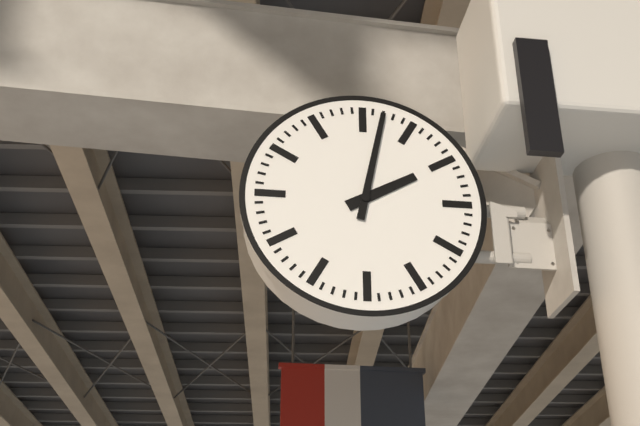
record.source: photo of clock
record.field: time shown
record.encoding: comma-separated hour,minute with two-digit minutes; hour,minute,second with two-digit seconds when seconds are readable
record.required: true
2,02
